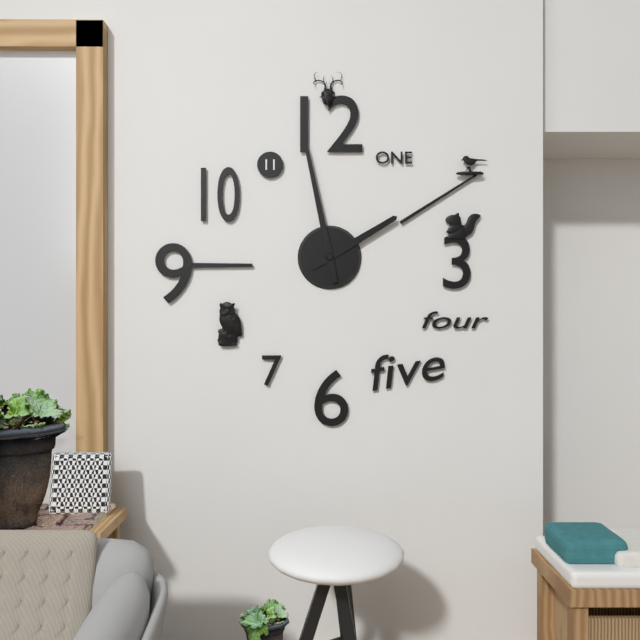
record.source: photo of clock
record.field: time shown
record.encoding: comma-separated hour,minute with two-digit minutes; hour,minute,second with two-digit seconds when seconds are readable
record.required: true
1,58
